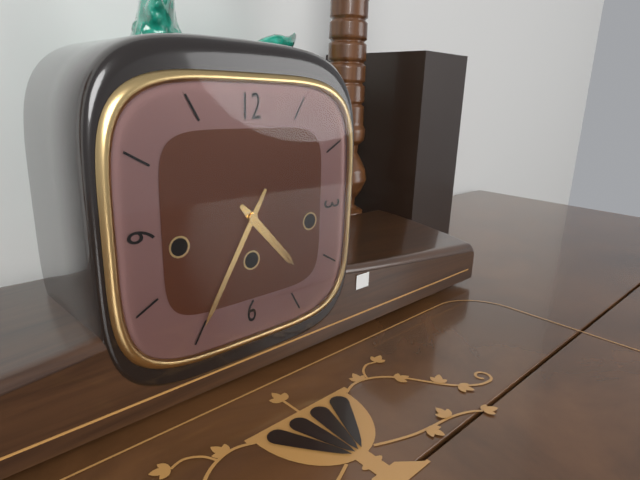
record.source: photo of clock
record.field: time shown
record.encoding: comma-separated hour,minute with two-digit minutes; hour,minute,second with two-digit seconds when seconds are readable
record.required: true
4,35
